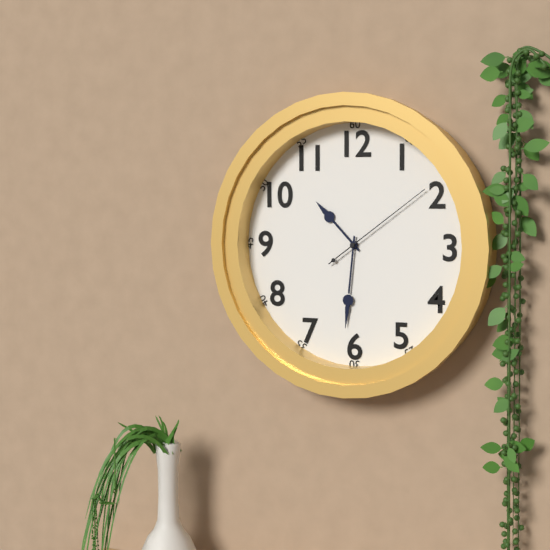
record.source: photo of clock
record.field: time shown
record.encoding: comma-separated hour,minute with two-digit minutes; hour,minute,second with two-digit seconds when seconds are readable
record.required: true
10,31,09
